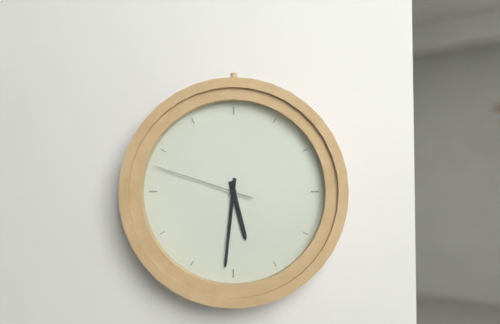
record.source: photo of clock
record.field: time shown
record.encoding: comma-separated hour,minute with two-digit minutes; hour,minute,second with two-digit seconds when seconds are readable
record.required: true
5,31,48
